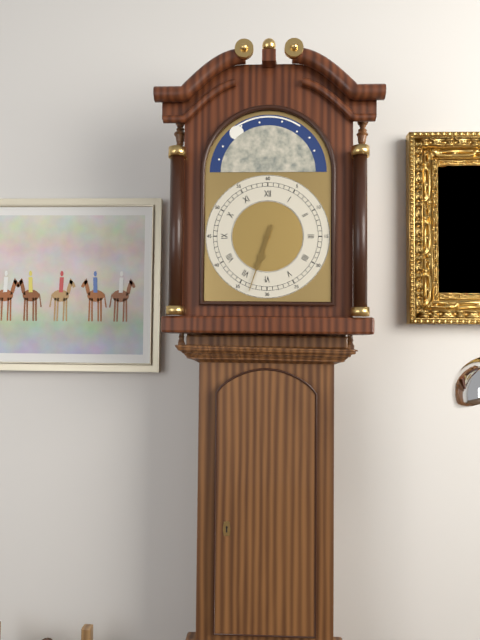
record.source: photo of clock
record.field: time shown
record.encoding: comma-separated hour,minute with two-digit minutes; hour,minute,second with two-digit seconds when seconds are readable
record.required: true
6,33
